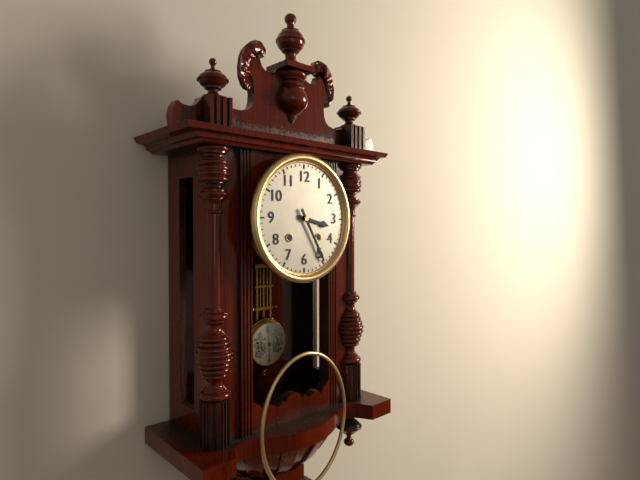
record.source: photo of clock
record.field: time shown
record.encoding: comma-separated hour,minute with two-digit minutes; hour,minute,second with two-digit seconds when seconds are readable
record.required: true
3,25
